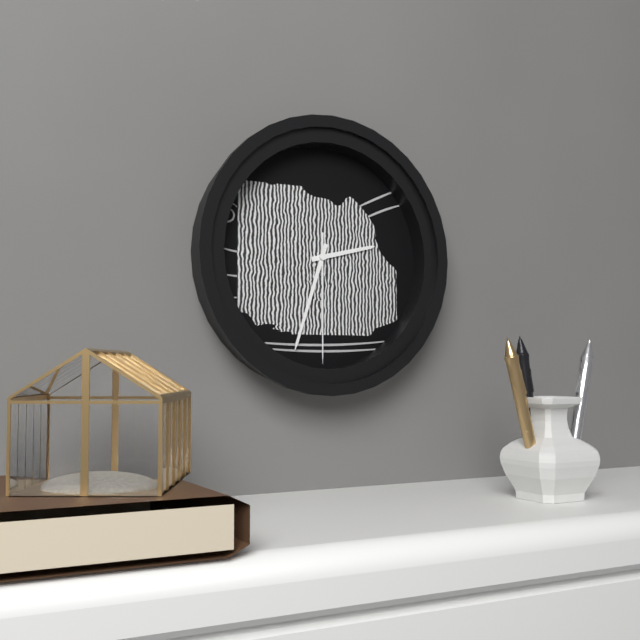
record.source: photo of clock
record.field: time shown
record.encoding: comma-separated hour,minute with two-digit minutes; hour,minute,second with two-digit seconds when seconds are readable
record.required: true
2,33,30
